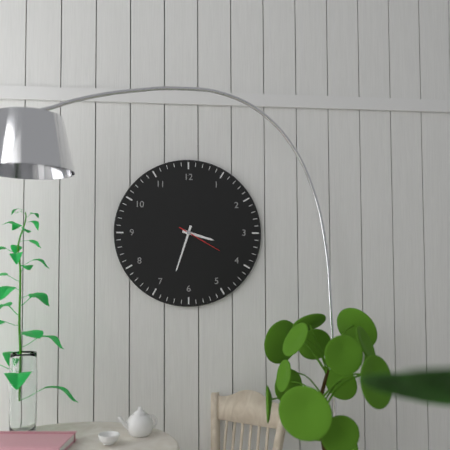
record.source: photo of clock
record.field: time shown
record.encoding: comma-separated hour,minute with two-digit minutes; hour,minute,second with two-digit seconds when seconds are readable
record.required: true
3,33
